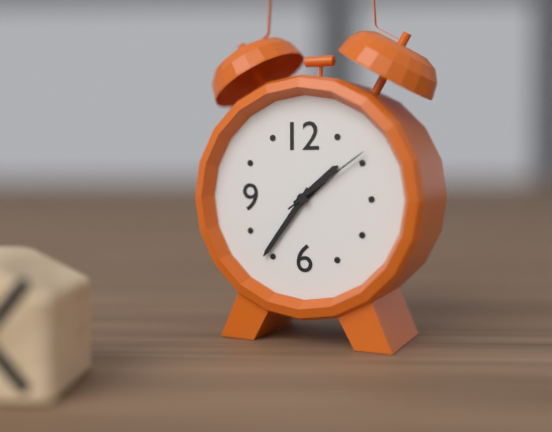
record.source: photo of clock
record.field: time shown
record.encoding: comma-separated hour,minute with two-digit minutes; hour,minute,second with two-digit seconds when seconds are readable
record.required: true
1,36,09
